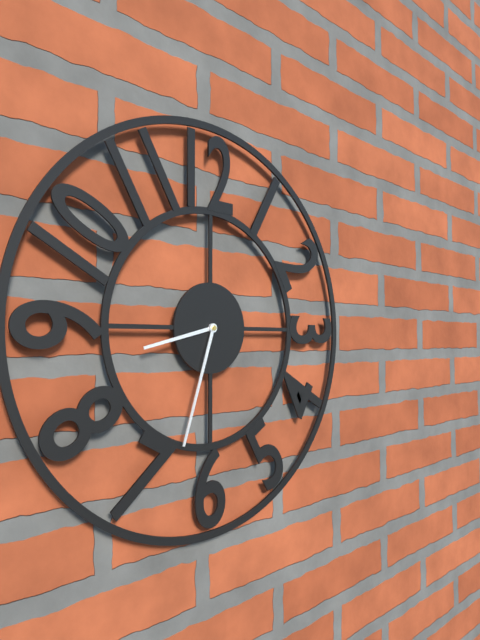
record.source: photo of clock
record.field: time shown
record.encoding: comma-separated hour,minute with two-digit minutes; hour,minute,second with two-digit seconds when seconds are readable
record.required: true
8,33
